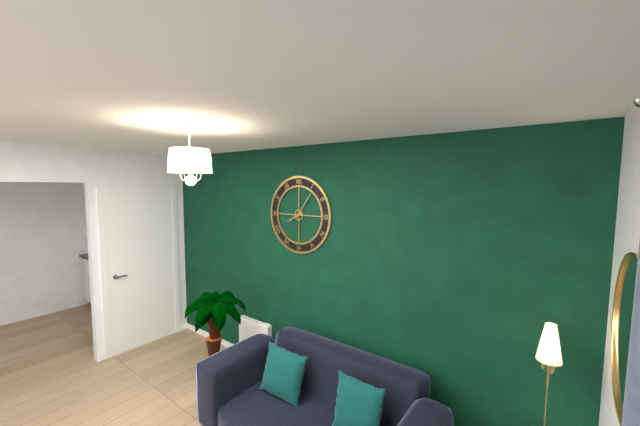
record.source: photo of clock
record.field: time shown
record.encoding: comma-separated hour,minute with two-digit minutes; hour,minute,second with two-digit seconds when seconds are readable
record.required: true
8,06
